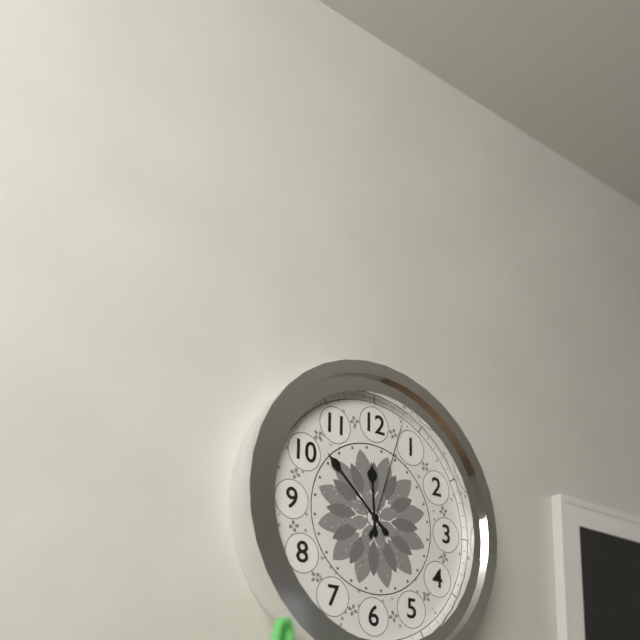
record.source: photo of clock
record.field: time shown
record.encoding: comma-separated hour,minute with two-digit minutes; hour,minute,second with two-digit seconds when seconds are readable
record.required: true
11,52,03
